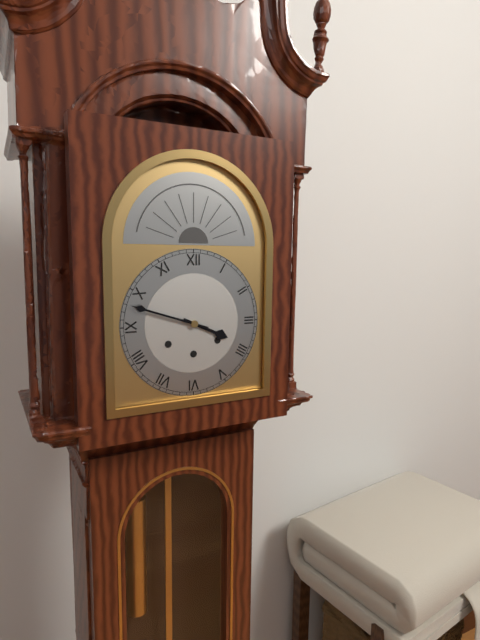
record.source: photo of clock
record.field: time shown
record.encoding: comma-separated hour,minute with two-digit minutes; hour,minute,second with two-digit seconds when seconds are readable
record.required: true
3,48
